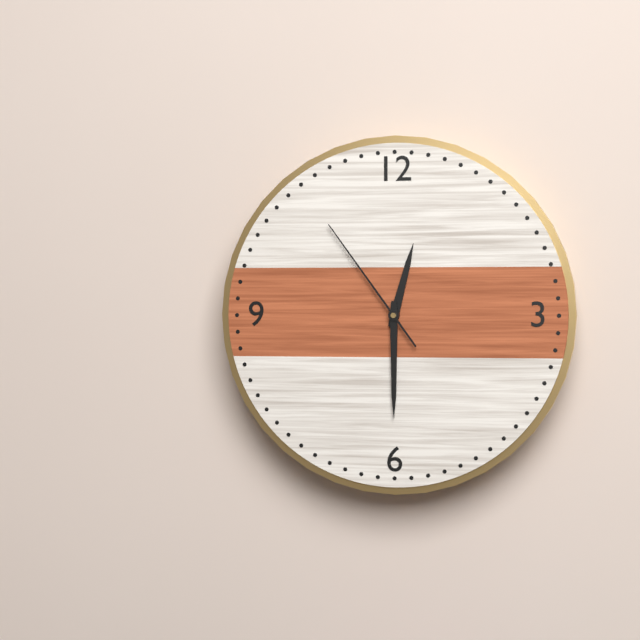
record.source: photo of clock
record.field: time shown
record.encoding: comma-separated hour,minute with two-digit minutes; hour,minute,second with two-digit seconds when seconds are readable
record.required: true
12,30,54
